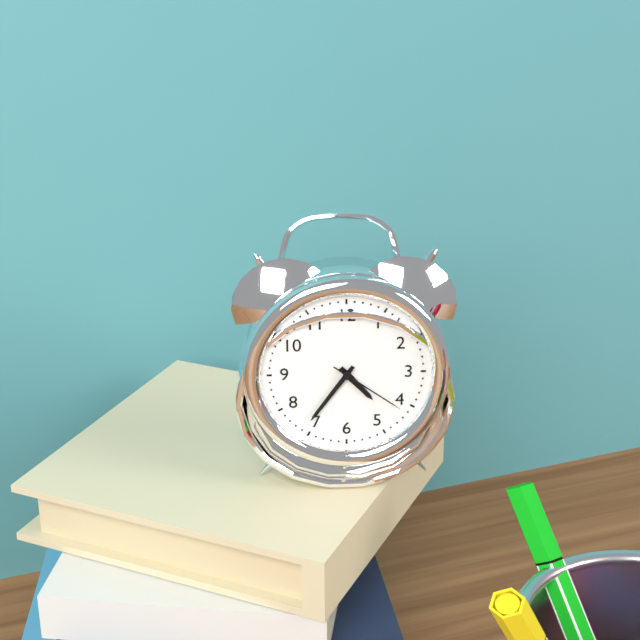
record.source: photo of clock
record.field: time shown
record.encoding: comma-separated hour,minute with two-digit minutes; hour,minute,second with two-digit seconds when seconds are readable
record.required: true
4,36,21
